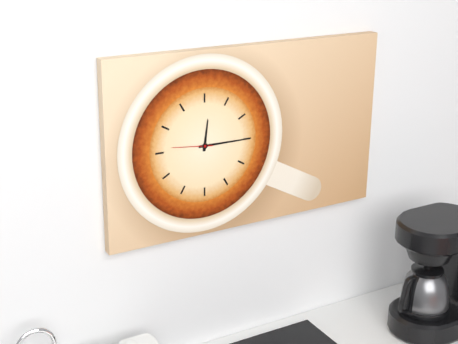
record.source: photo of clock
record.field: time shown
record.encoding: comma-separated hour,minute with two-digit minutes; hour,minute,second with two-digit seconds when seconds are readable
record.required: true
12,15
